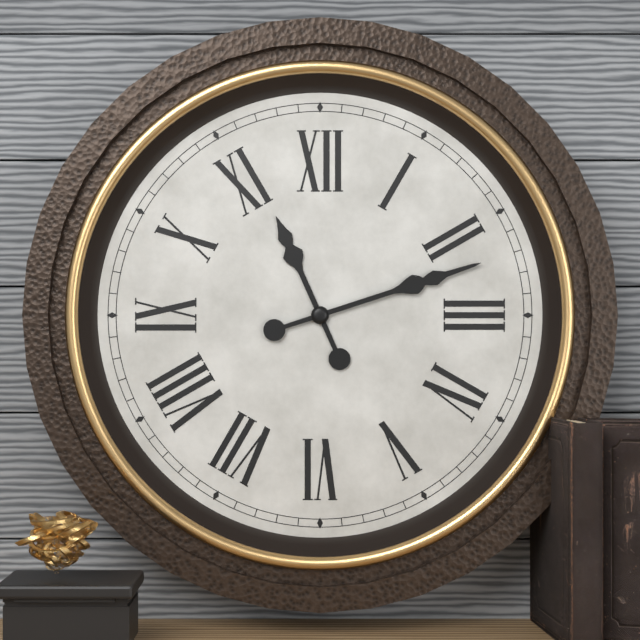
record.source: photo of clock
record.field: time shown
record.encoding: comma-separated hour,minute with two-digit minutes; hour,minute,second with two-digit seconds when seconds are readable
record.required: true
11,12
